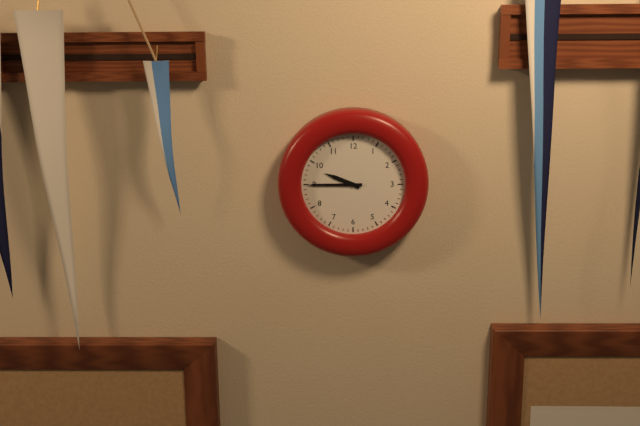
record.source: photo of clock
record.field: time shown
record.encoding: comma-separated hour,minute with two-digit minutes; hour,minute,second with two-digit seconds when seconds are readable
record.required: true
9,45
